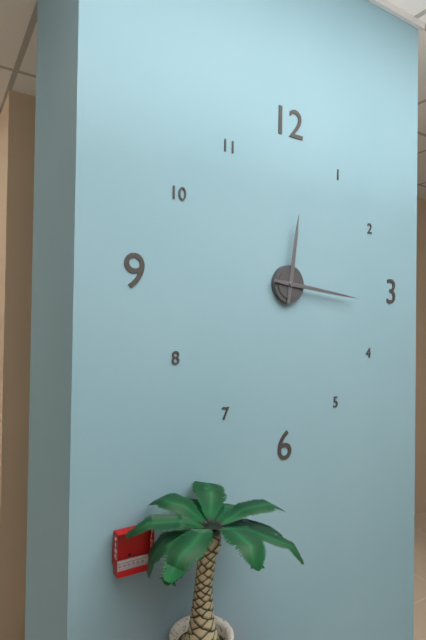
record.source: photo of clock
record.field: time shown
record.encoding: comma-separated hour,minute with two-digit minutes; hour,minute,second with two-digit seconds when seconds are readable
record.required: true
12,16
